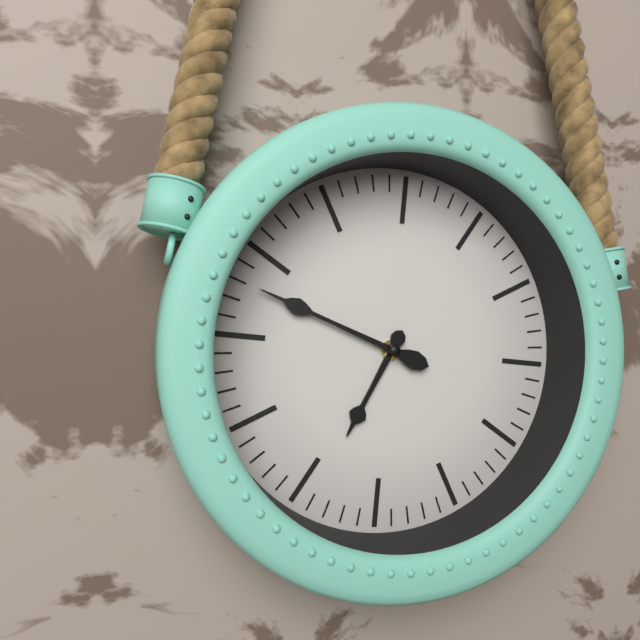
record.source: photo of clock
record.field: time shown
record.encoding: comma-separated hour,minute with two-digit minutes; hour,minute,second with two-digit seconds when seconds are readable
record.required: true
6,48
